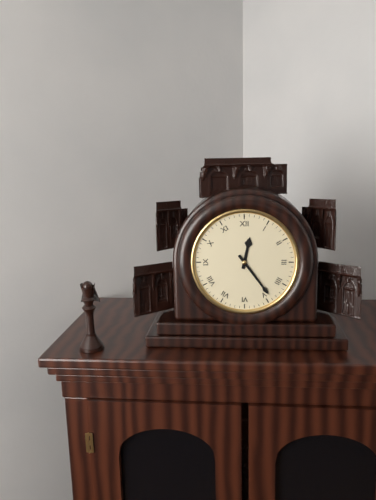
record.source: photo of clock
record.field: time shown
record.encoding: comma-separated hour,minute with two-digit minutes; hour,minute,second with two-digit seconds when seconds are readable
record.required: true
12,24
